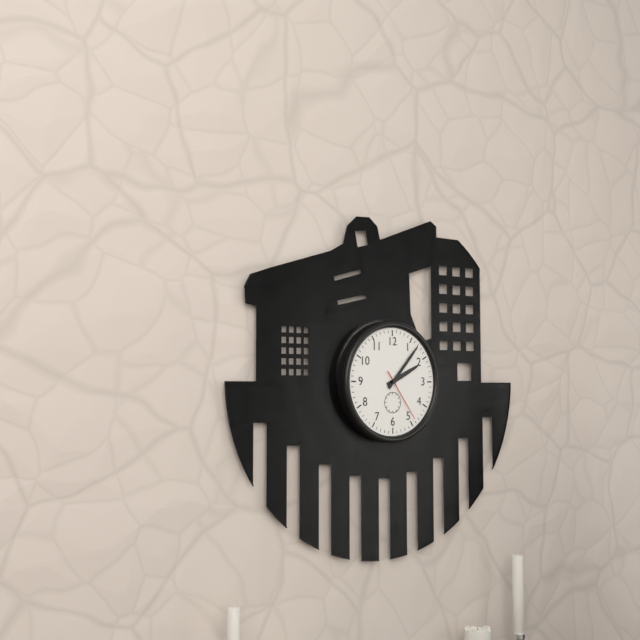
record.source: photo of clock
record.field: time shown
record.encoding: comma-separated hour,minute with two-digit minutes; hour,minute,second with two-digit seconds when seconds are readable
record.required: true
2,07,24
